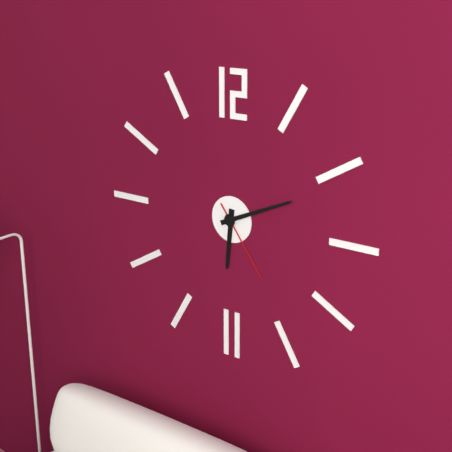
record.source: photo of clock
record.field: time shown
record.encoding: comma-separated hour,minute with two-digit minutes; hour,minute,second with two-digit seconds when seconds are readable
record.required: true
6,11,24
